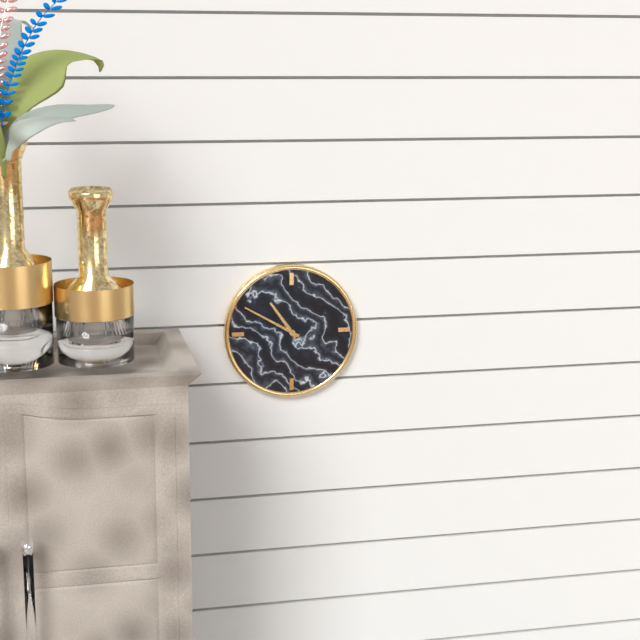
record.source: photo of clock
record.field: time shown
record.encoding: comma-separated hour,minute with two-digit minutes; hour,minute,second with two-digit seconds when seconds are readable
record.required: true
10,50
